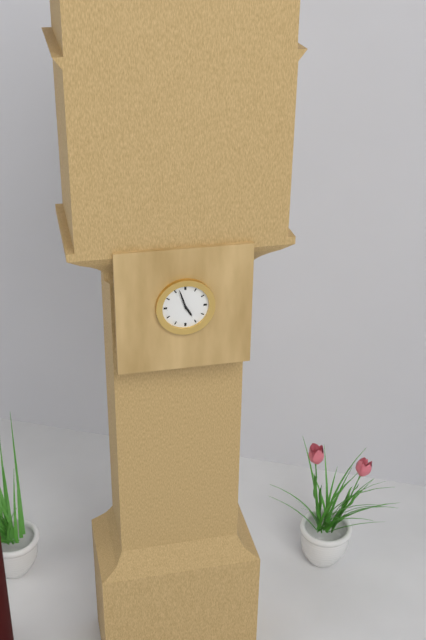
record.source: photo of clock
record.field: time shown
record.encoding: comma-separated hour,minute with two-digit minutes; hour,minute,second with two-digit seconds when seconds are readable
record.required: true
4,57
